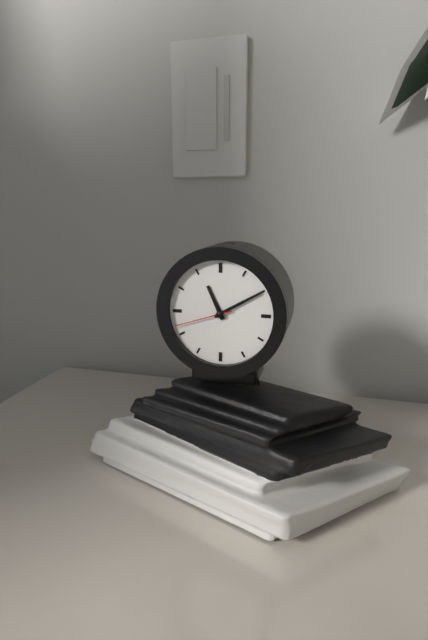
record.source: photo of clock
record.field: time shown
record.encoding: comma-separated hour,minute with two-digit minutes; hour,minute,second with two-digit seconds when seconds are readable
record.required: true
11,10,42
